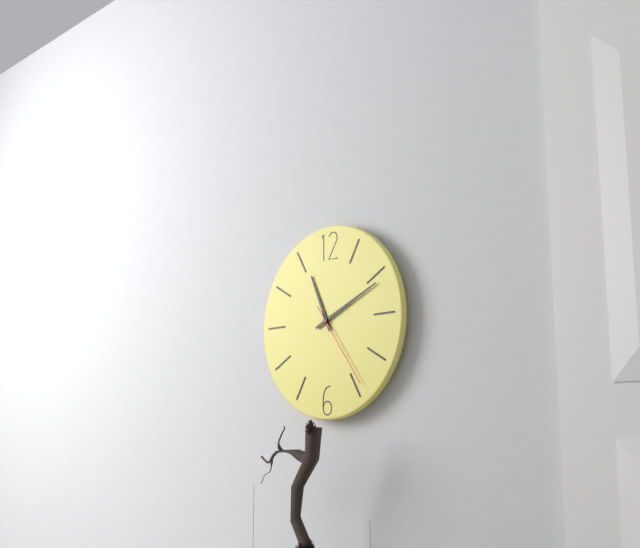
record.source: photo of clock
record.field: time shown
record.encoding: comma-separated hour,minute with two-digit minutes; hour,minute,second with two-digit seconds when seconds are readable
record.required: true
11,11,24
